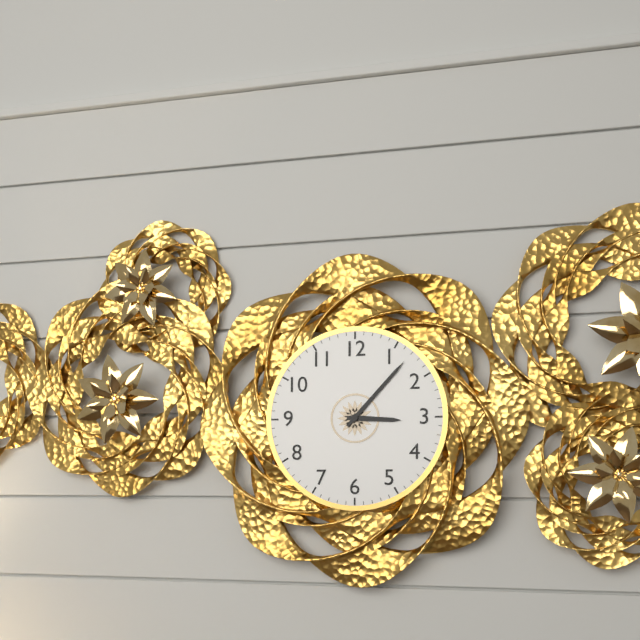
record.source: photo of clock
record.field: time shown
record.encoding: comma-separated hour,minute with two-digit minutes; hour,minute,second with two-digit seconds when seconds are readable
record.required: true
3,07
